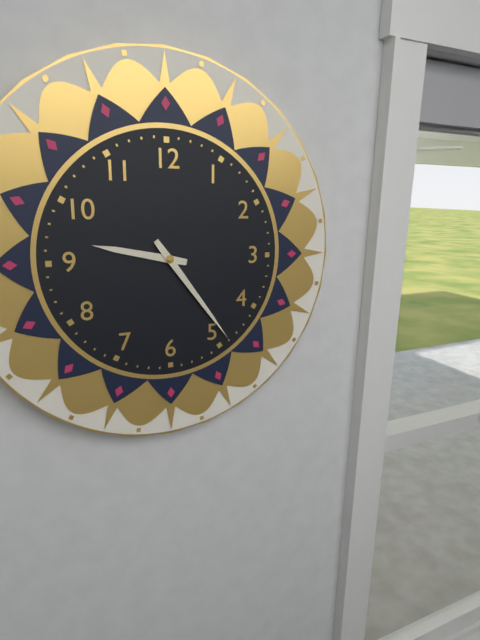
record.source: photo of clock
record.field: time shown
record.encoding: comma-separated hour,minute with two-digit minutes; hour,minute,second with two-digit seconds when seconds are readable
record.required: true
9,24
